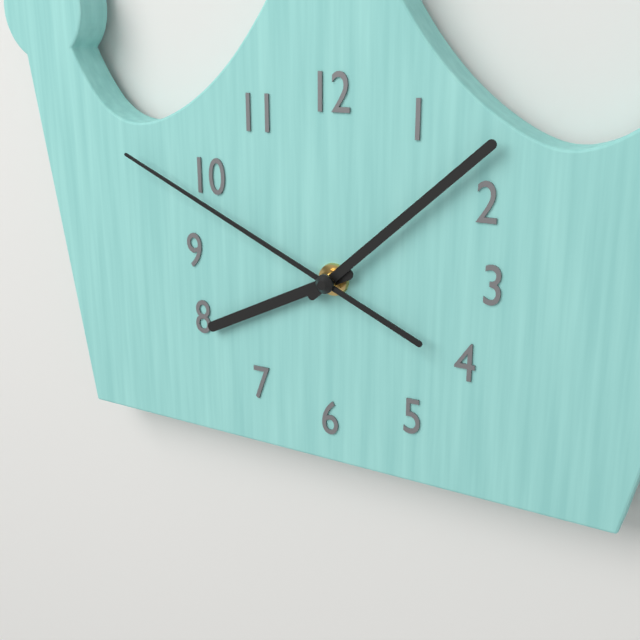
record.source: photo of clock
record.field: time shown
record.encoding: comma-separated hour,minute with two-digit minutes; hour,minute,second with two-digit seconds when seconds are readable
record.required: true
8,08,49
